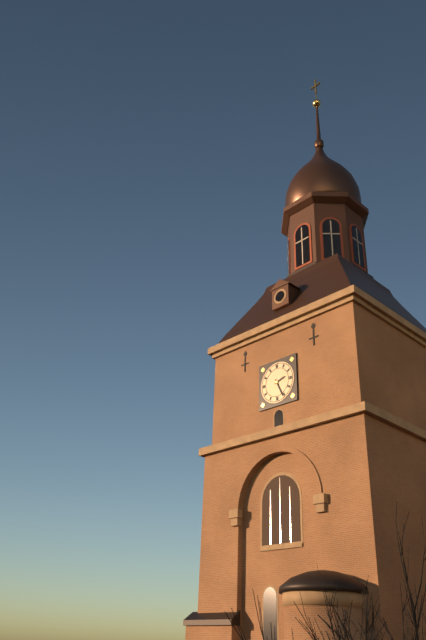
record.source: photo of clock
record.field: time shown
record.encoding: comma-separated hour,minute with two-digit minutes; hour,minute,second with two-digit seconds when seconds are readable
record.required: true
2,26
